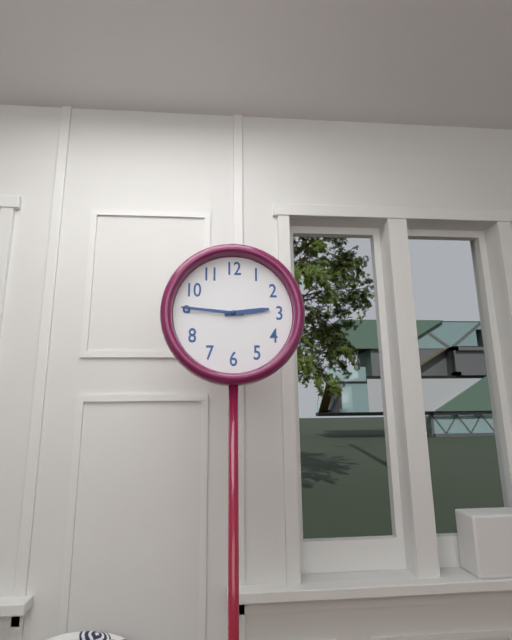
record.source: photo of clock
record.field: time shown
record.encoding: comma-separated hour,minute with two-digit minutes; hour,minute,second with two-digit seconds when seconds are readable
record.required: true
2,46
